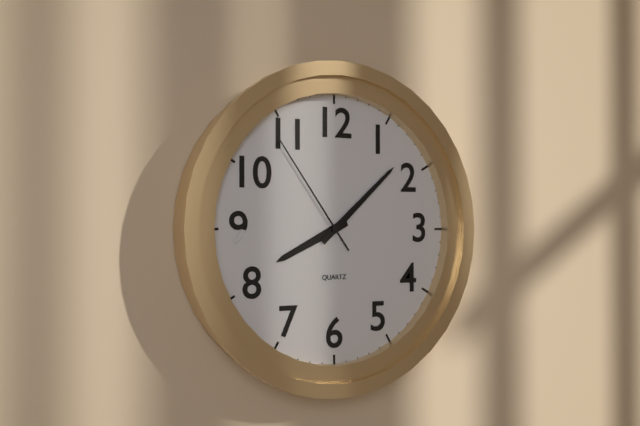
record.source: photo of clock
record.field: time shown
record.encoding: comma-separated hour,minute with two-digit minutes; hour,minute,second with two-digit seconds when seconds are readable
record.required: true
8,08,54
